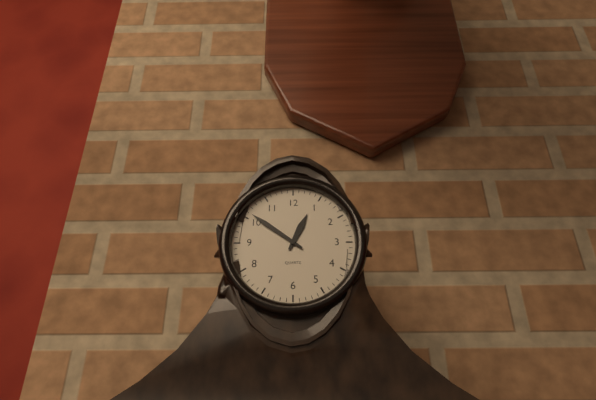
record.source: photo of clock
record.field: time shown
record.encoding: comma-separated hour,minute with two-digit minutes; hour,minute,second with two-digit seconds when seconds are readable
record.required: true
12,51
